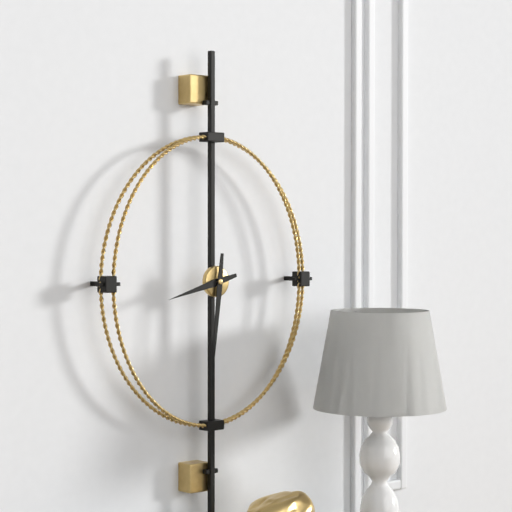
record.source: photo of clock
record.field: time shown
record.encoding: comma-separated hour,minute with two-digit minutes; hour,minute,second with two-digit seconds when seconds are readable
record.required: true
8,31
